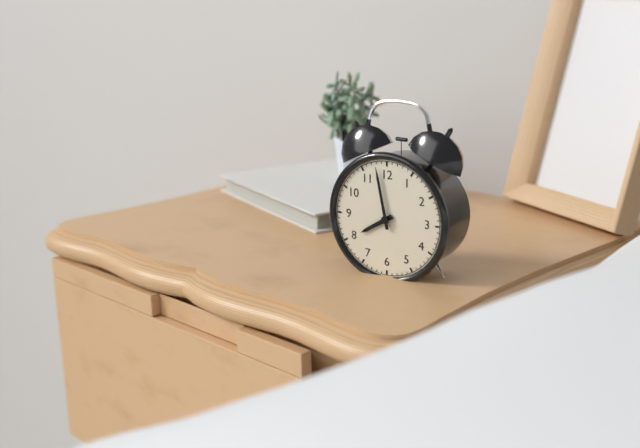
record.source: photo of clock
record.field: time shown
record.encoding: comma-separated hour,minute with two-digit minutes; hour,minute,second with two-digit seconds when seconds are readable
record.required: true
7,58
